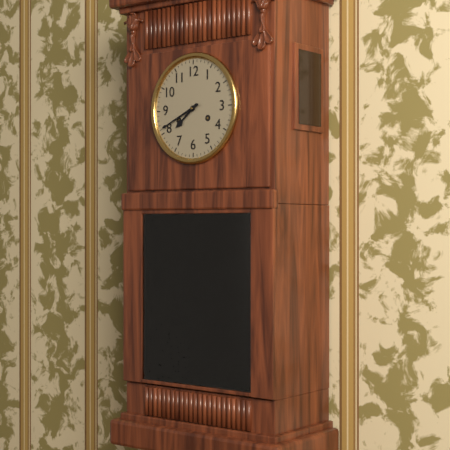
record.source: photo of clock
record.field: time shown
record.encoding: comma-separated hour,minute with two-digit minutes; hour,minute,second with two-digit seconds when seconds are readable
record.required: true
7,41
